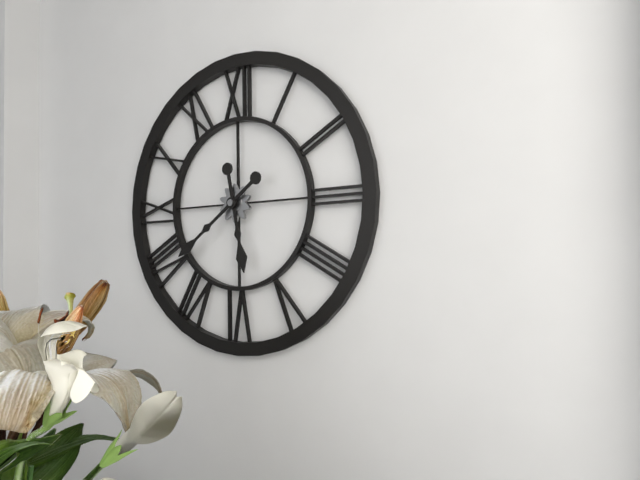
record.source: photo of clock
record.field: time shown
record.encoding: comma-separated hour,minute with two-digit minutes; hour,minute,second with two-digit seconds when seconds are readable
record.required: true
5,39
